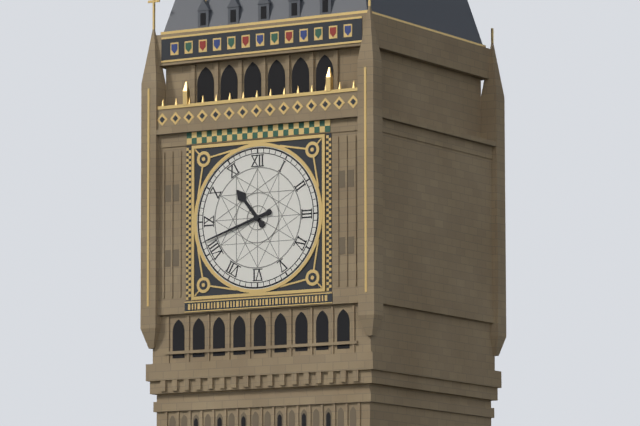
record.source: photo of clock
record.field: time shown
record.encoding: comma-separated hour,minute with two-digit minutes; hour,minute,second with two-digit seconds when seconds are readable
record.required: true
10,42
